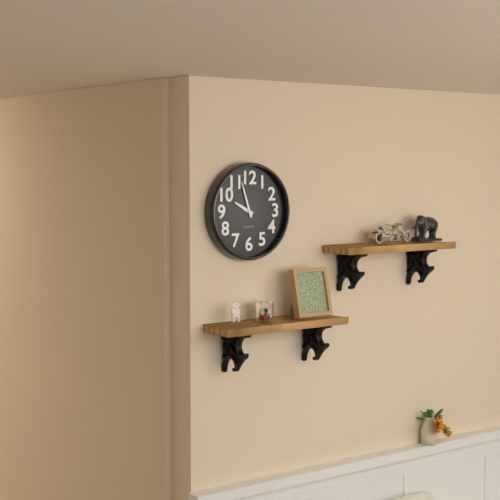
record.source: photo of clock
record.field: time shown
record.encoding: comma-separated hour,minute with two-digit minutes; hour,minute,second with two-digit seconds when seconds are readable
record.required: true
9,57
